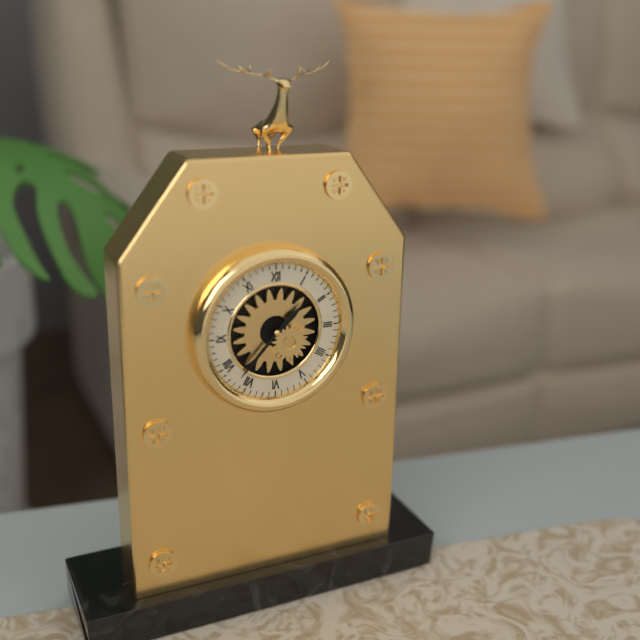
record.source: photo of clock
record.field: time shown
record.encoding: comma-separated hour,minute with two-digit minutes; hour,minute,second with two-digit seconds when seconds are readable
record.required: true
1,37
